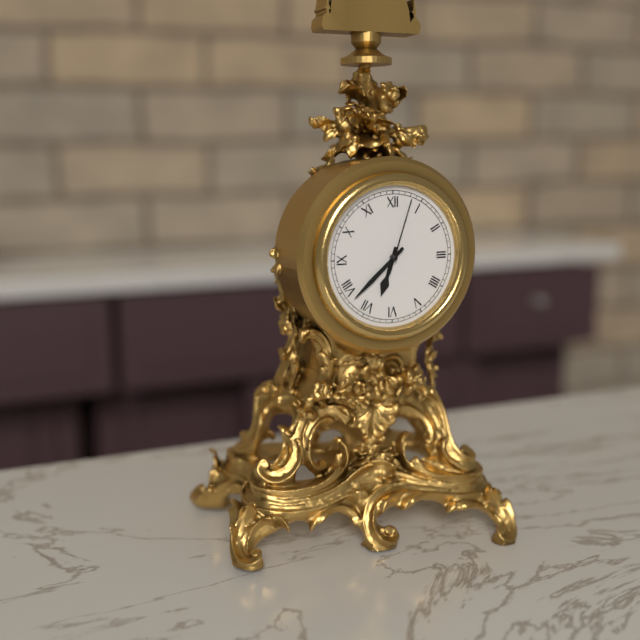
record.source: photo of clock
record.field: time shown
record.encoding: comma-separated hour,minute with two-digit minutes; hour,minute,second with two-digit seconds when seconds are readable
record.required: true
6,38,03
